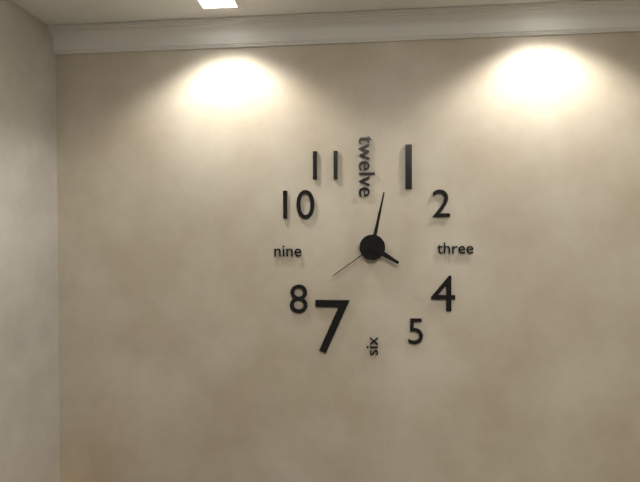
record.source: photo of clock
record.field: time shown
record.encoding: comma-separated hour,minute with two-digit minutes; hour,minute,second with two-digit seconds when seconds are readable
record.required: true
4,02,39
